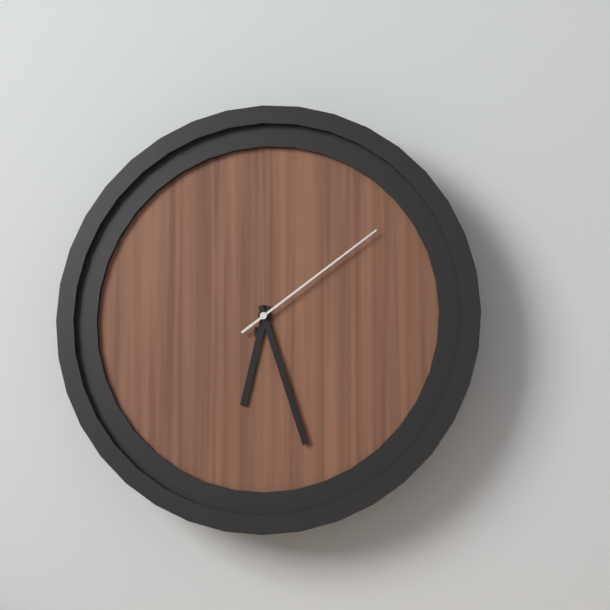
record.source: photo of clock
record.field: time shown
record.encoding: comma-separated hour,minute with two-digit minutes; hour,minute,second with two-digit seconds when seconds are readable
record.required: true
6,27,09
